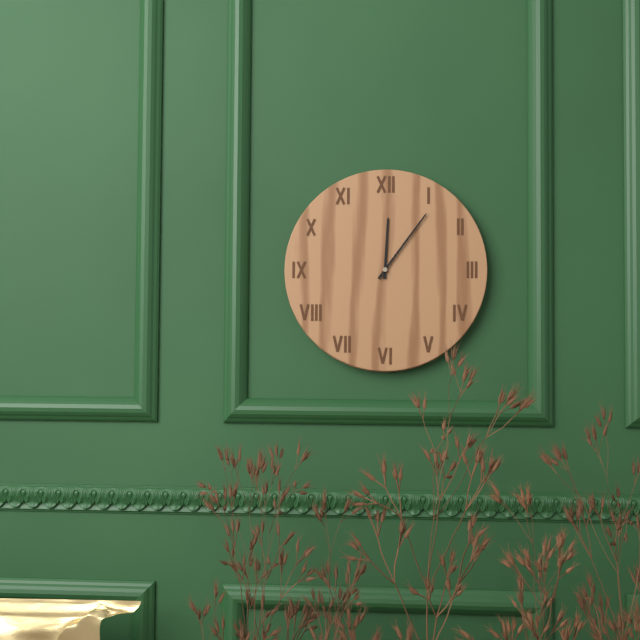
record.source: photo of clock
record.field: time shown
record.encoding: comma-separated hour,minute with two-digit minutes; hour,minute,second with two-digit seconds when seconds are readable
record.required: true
12,06
